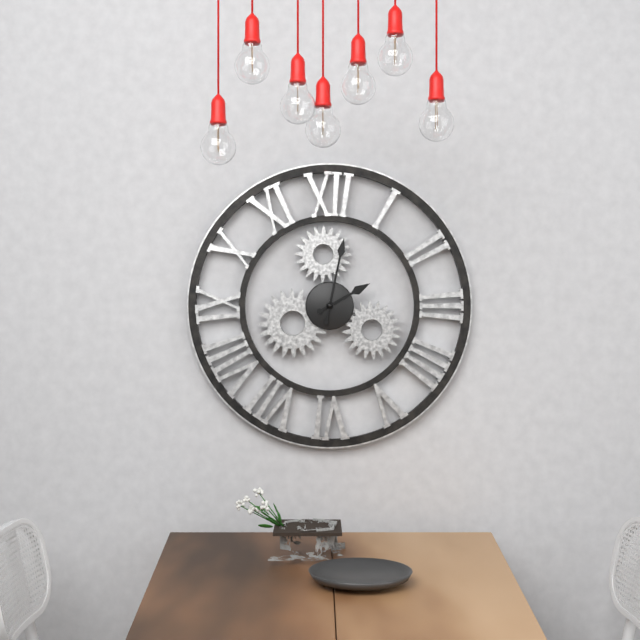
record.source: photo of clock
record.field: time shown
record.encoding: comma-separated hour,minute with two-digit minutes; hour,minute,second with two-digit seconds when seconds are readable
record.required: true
2,02
